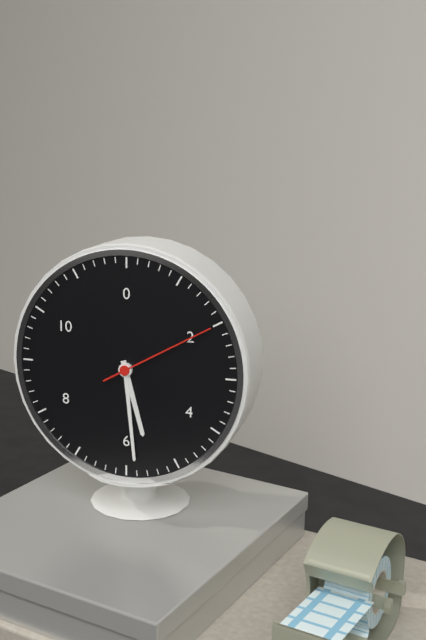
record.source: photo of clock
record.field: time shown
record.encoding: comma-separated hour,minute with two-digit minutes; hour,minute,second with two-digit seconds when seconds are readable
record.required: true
5,29,10
